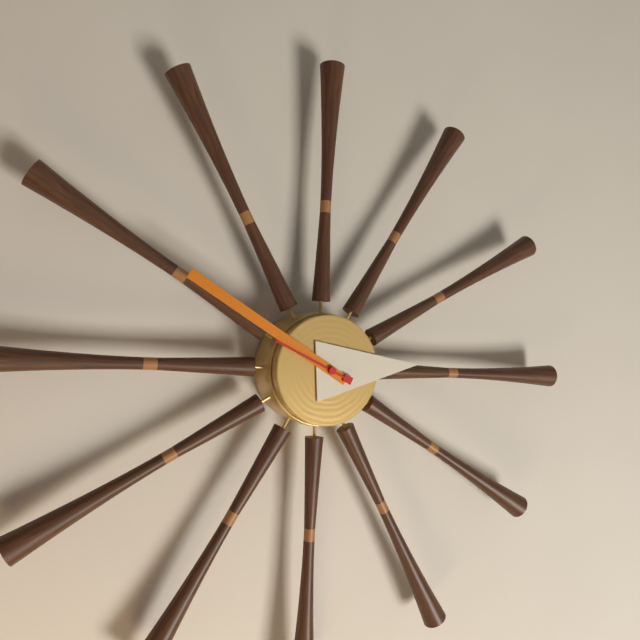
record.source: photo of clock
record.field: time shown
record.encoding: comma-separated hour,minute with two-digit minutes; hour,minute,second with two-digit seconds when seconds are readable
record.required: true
2,50
